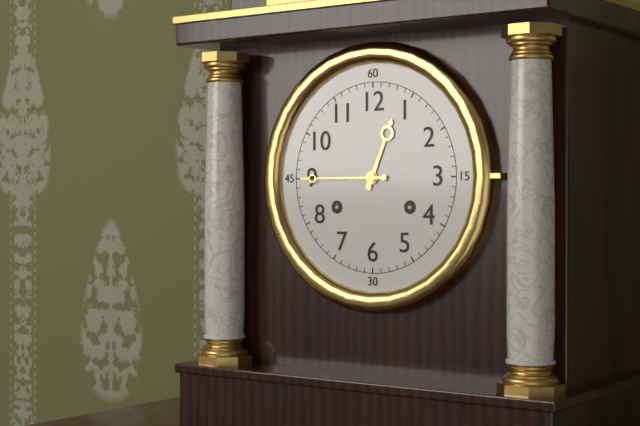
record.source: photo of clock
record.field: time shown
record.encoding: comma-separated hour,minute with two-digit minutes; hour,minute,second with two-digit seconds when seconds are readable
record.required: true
12,45
